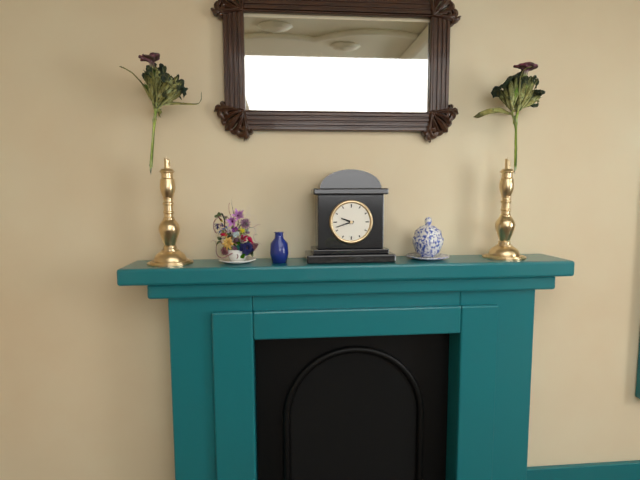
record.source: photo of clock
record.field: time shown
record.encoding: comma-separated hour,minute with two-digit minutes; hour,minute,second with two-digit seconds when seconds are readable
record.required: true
9,42
